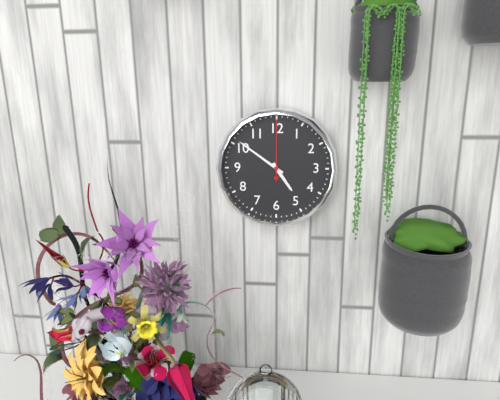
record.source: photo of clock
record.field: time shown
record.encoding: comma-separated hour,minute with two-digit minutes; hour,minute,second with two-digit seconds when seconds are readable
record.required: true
4,51,00
